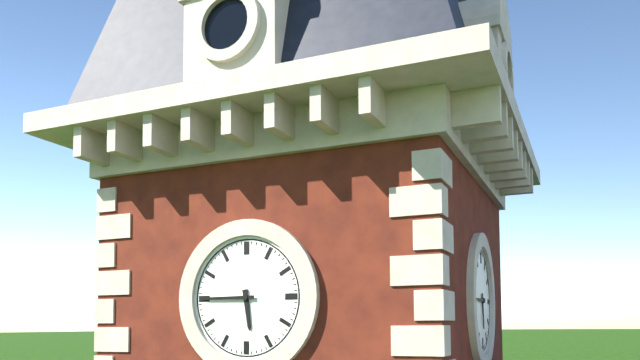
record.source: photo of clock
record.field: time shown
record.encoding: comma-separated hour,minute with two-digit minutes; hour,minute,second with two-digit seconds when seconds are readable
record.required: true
5,45
